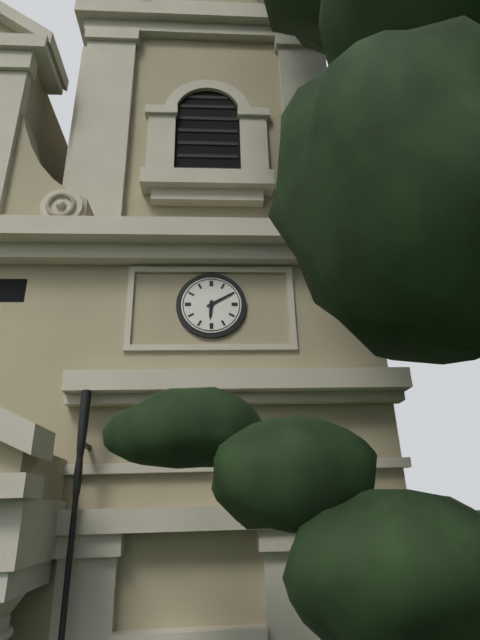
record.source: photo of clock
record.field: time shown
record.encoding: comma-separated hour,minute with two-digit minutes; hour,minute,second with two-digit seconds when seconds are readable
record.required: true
6,10
